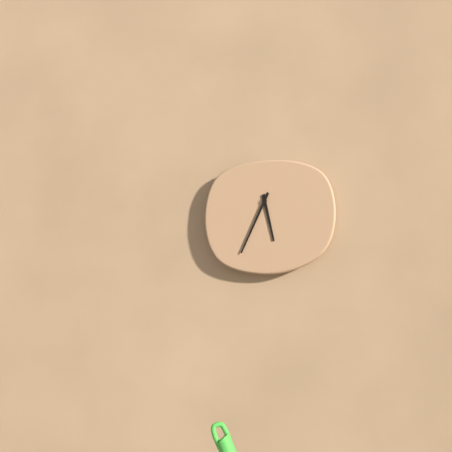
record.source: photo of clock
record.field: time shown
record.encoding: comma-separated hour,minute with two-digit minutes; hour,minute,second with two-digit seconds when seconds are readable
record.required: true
5,34
